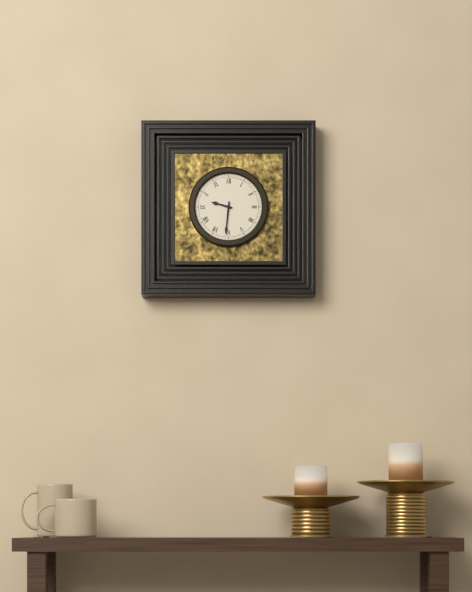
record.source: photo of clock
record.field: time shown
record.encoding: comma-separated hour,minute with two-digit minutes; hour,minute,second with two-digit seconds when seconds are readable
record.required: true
9,31
